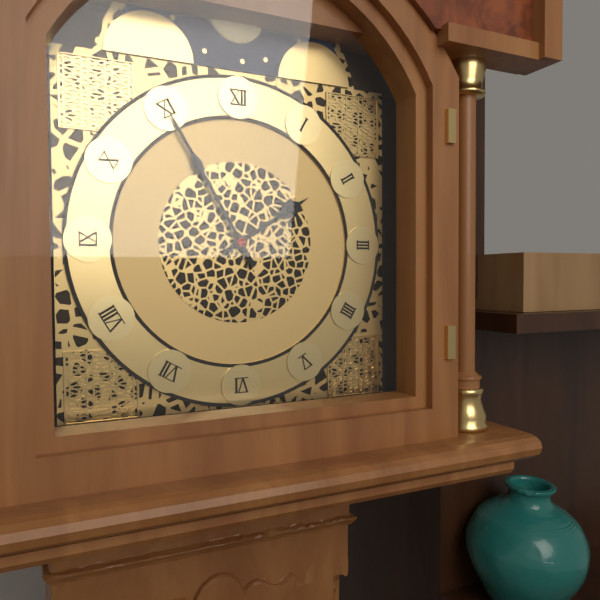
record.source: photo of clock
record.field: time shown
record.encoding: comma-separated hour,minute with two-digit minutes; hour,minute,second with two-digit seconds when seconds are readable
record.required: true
1,55
